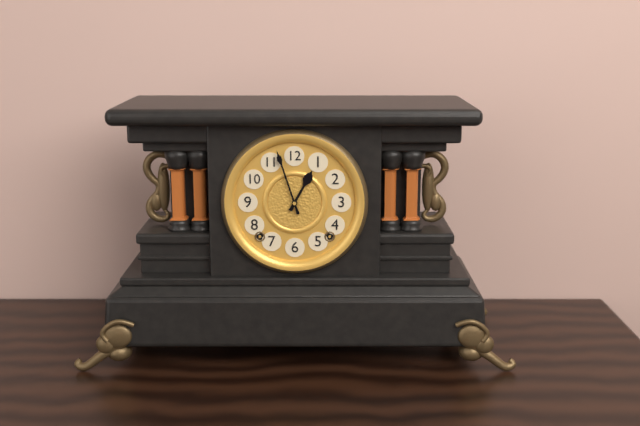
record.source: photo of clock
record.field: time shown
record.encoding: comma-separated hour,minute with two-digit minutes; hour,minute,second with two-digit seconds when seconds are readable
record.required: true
12,57
